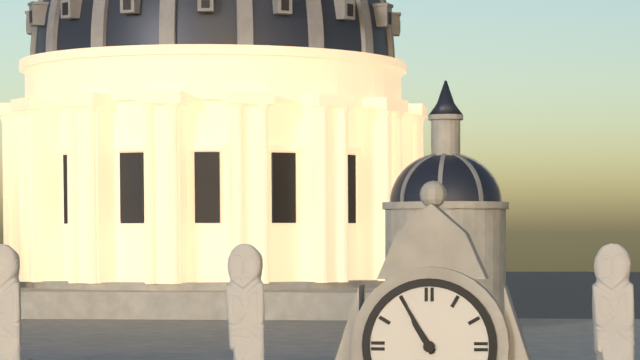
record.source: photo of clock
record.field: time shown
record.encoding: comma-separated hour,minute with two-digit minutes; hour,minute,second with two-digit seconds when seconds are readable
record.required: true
10,55
